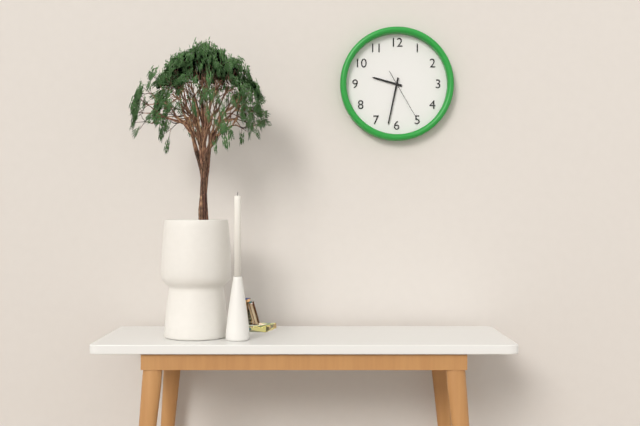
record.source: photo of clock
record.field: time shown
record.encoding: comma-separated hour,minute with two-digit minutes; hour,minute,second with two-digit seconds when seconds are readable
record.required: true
9,32,25
